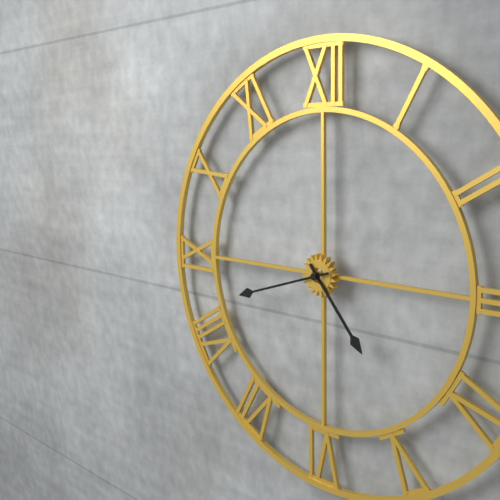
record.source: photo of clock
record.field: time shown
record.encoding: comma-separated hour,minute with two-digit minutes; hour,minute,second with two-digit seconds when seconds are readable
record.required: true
4,42
